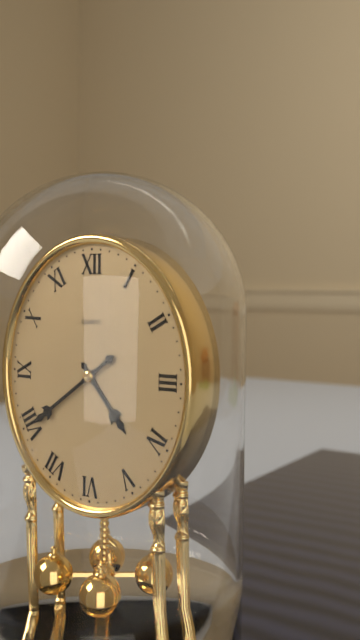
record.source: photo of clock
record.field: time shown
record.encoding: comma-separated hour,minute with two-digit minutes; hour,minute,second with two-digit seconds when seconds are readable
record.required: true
4,39
